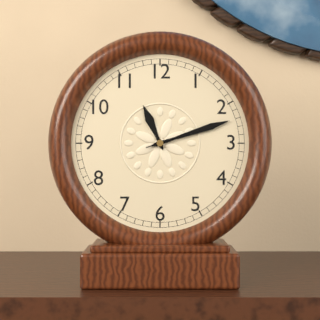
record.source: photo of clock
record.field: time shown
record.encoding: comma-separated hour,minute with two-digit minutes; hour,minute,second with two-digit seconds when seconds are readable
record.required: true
11,12,12
